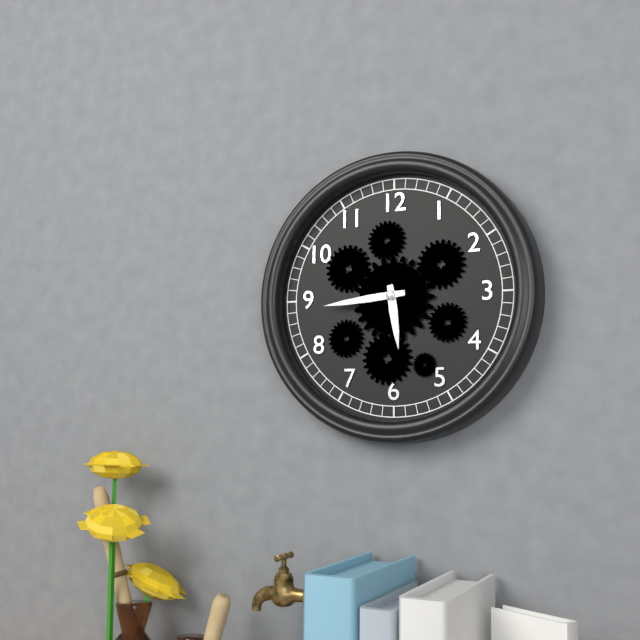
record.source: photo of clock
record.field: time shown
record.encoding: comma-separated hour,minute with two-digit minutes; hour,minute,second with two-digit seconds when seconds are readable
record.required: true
5,44
